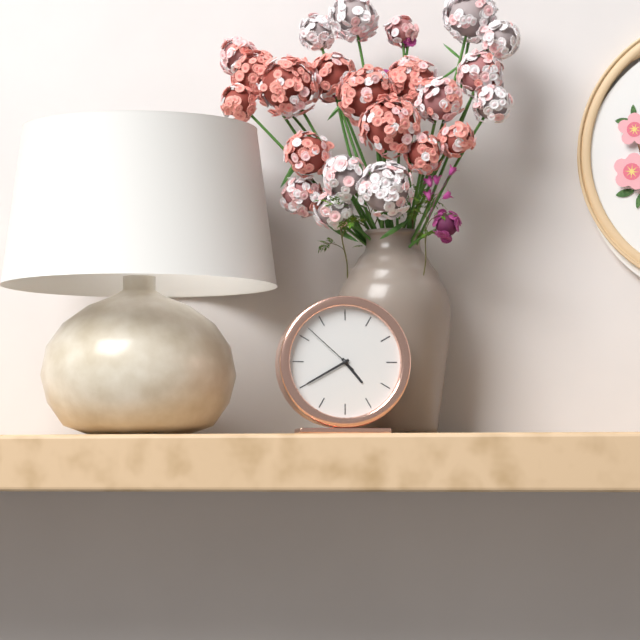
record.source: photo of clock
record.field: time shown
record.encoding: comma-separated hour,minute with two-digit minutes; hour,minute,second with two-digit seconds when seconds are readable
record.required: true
4,40,52
